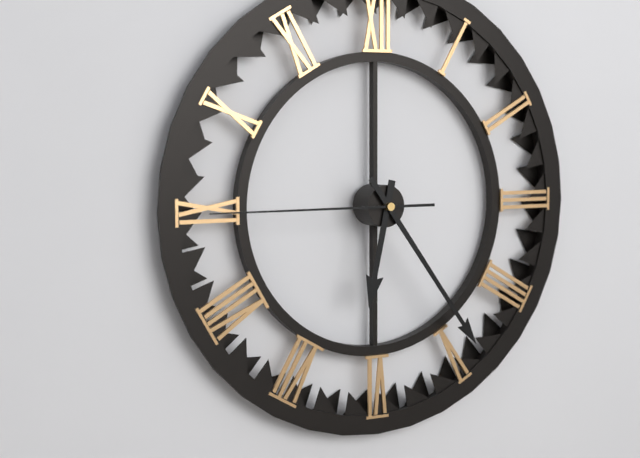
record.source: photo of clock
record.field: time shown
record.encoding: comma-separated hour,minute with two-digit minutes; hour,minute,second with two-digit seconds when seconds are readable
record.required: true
6,24,45
